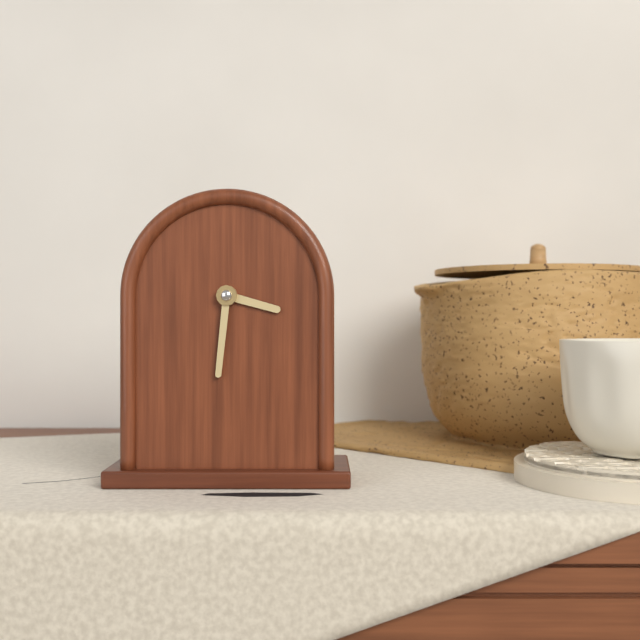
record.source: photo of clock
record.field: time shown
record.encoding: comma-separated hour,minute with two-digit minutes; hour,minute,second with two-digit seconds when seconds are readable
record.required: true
3,31
